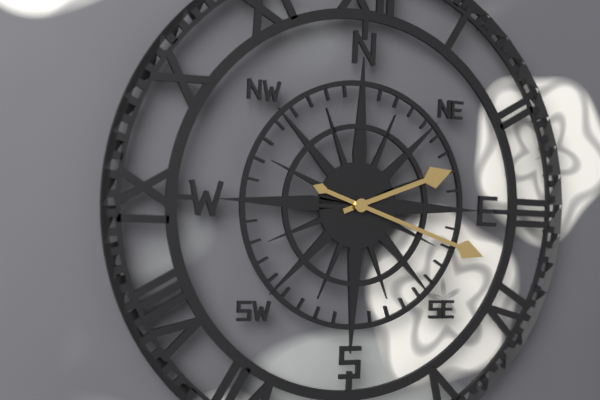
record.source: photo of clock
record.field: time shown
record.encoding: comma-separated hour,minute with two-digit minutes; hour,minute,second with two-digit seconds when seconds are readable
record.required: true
2,18
